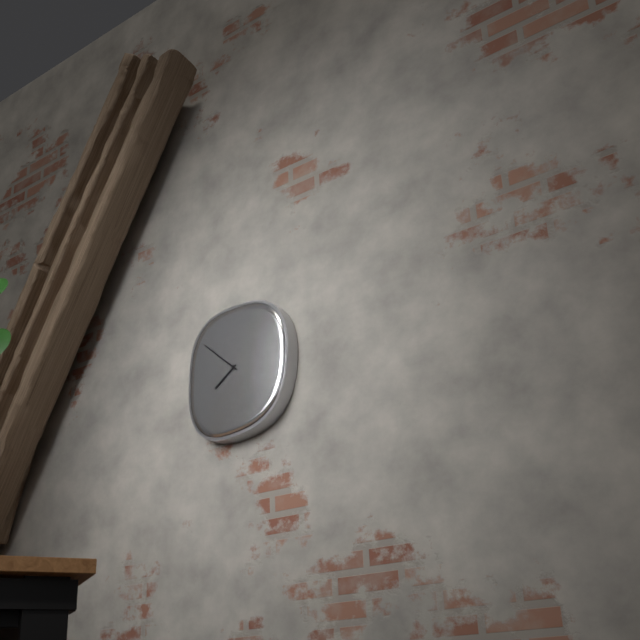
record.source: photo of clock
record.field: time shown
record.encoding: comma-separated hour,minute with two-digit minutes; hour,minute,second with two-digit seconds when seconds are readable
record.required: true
7,52
